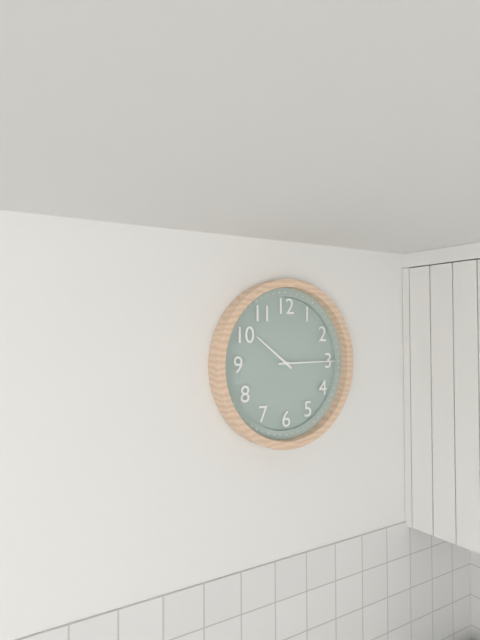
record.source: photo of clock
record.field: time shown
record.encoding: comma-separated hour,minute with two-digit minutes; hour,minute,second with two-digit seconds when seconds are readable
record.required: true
10,15
